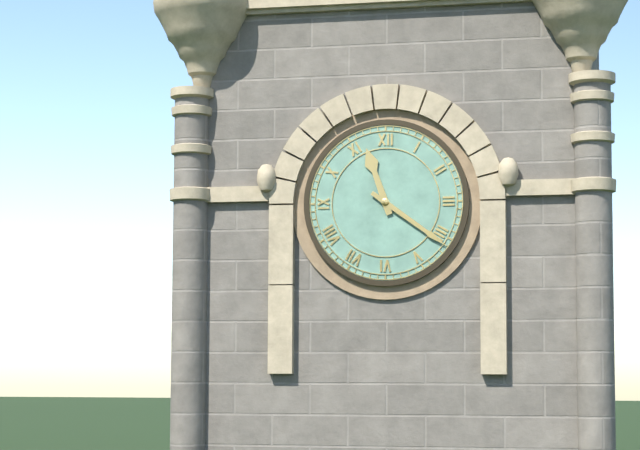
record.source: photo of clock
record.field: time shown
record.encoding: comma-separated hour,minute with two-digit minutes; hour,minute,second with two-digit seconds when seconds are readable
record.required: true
11,21
